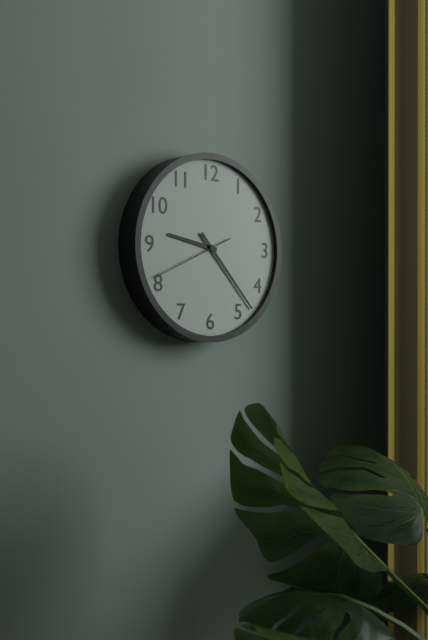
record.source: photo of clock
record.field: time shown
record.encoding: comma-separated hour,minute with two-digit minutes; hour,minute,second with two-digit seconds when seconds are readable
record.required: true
9,23,41
